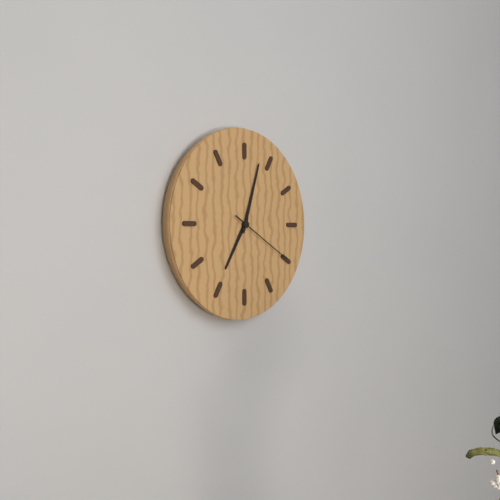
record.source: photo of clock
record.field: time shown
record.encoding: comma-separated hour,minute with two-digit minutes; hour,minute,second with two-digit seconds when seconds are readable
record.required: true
7,03,20
